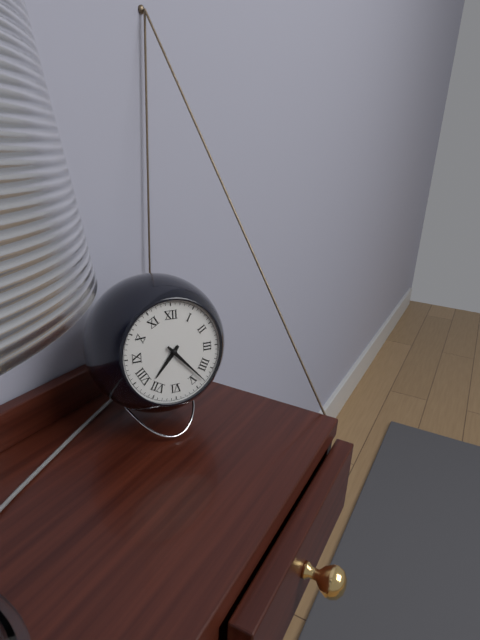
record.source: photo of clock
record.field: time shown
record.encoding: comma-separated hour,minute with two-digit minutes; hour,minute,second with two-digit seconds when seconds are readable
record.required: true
7,23
